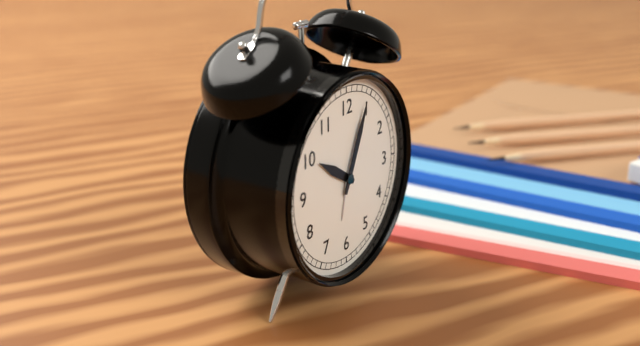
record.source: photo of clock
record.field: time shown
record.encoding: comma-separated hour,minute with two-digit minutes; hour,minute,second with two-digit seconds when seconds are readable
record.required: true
10,04
